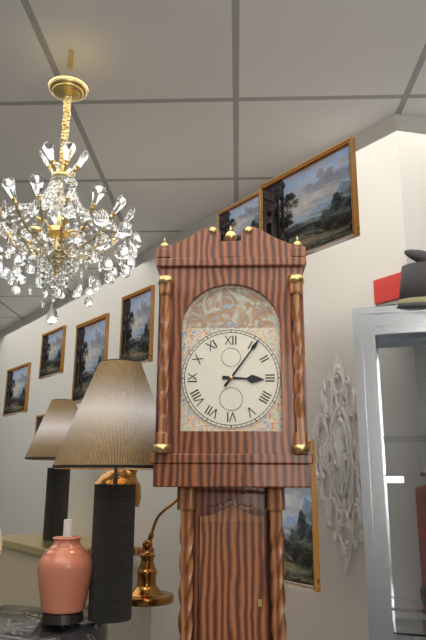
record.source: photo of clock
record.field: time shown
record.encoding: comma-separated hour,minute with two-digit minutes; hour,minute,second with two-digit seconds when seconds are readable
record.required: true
3,06
